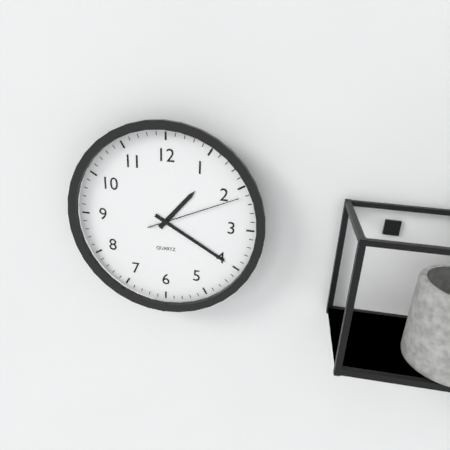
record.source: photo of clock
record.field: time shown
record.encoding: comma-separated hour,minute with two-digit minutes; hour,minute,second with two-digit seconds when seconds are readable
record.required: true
1,20,11
